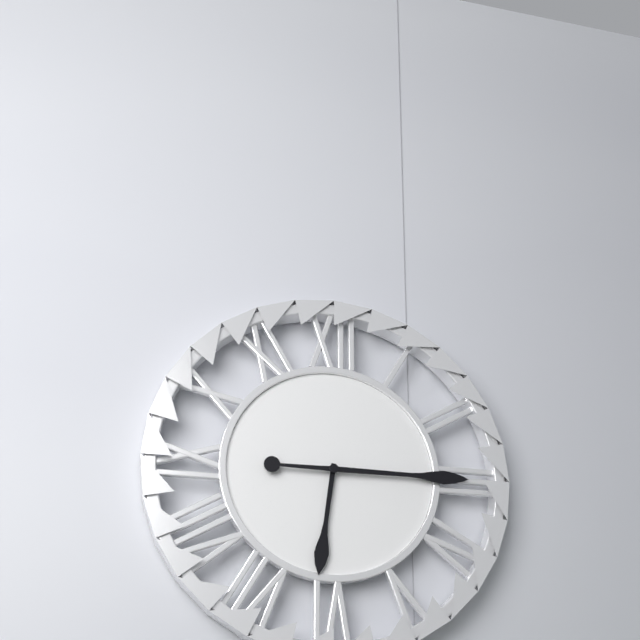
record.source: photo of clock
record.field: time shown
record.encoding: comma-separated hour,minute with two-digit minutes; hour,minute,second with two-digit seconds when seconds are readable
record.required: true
6,15
